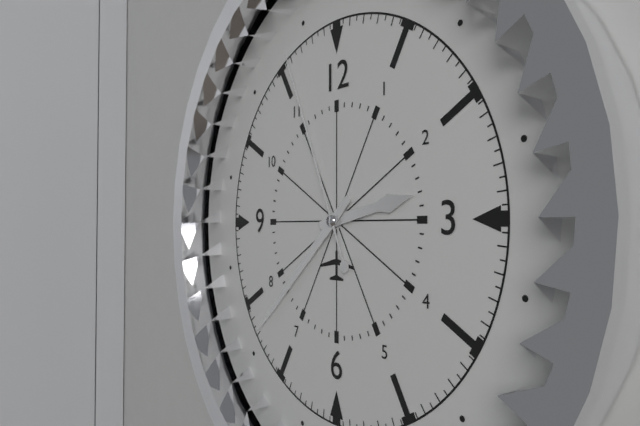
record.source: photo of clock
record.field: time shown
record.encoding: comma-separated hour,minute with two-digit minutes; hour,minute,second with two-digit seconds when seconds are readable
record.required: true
2,38,56
